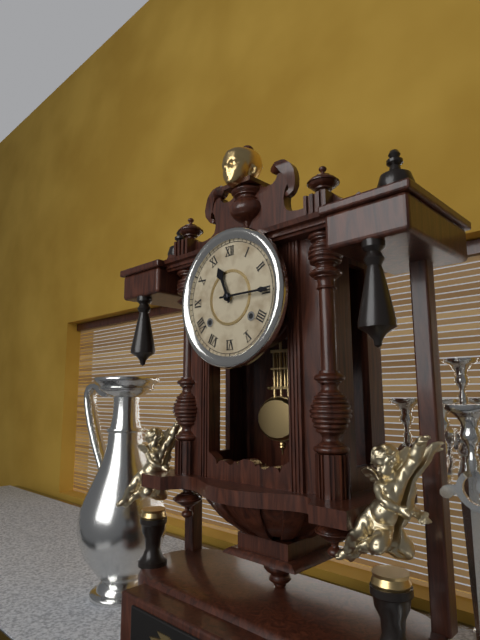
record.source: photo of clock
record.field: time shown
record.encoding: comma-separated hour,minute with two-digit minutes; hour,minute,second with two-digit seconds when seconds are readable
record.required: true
11,15
